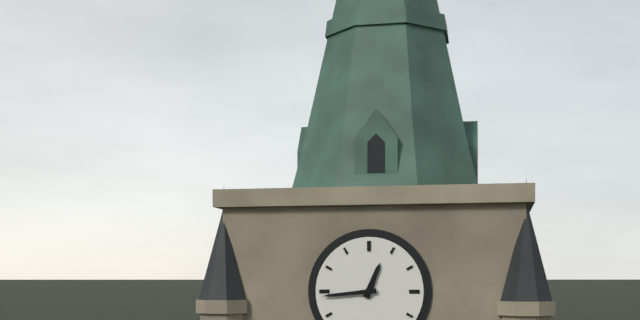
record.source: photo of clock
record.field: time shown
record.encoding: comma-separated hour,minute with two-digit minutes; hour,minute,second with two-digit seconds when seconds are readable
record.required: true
12,44
